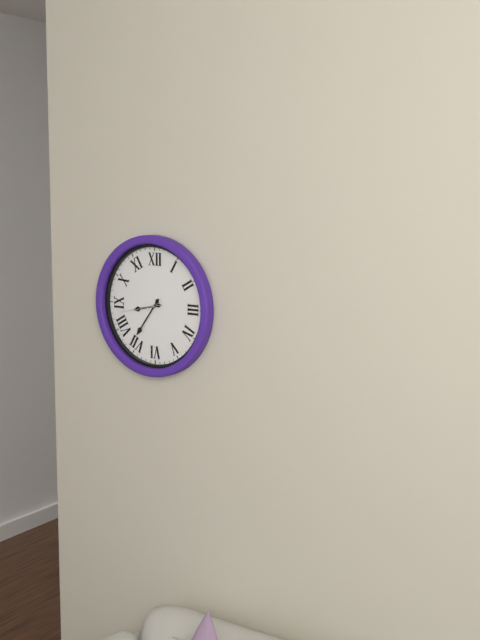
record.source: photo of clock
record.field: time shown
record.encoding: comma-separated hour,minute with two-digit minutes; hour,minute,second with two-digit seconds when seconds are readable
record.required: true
8,36
